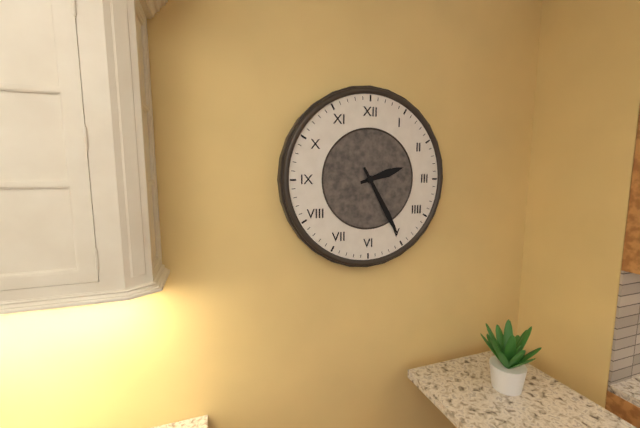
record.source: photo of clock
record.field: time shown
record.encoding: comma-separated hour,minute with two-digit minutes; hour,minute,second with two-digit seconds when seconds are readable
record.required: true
2,25
